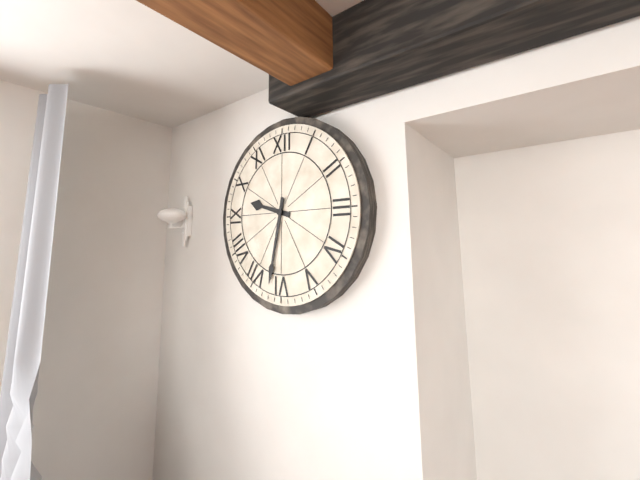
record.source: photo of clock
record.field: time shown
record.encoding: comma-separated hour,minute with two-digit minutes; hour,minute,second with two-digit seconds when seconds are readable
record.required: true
9,32
